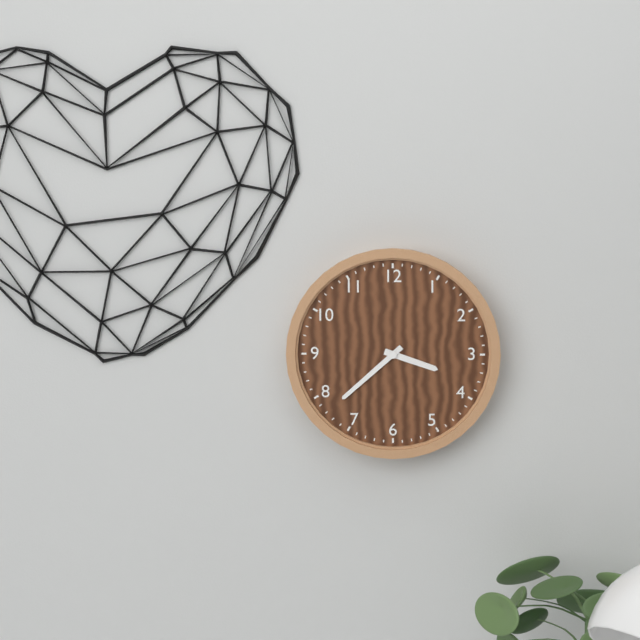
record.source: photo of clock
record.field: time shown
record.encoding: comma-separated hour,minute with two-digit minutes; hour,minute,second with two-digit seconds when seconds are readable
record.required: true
3,38
